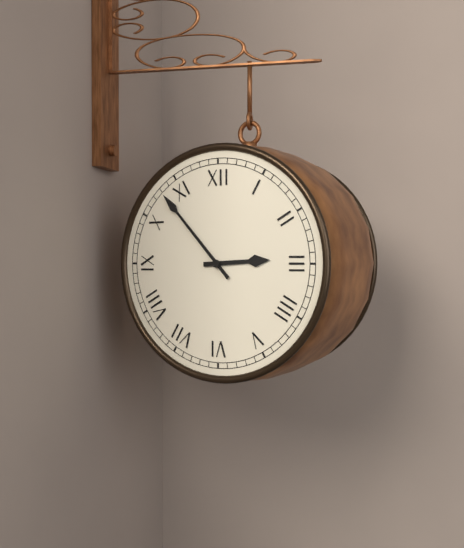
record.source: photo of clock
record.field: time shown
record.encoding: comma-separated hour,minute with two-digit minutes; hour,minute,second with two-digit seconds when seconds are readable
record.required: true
2,53
